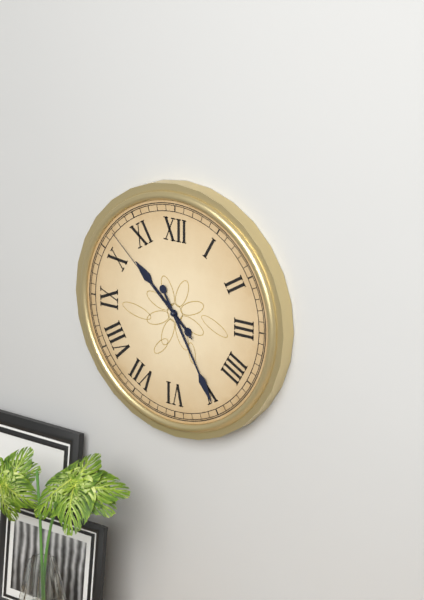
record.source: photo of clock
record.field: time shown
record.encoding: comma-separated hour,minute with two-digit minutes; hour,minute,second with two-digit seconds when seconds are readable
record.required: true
10,25,52
